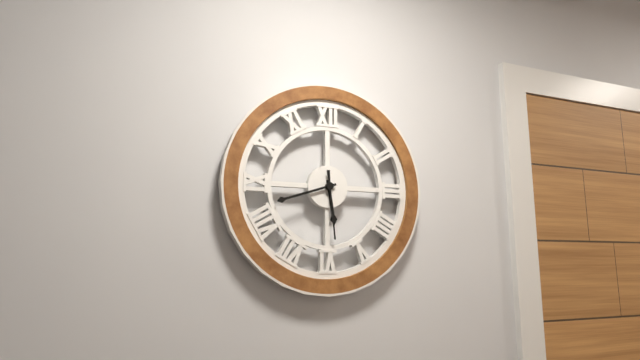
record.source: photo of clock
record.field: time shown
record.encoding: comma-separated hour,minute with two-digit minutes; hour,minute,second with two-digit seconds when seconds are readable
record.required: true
5,42,29
